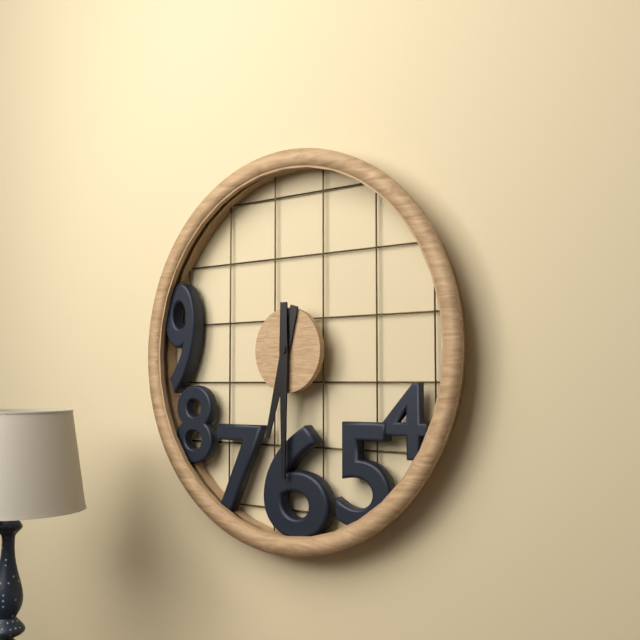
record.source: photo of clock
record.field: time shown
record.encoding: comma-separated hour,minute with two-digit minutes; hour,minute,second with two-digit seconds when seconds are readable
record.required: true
6,30
